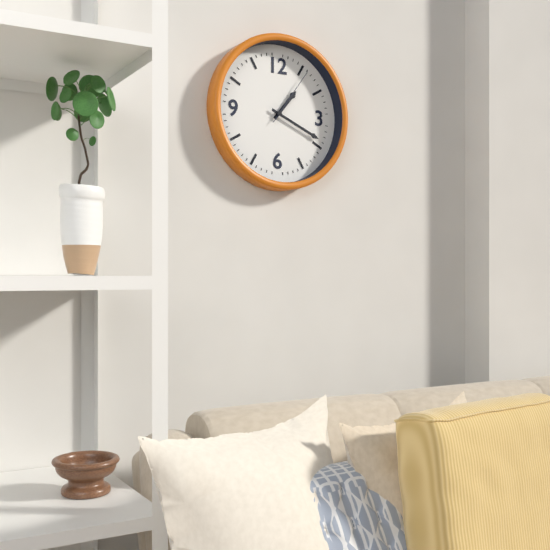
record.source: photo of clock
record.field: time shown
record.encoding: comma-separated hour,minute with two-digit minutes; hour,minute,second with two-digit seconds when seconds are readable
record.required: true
1,19,06
